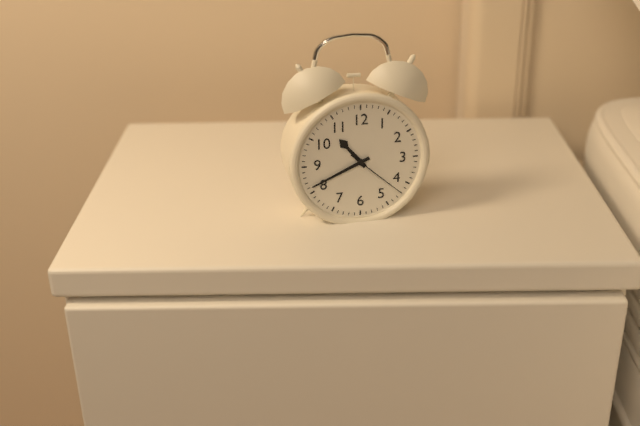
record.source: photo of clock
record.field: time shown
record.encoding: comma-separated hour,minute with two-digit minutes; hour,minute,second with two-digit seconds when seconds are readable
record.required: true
10,41,22
